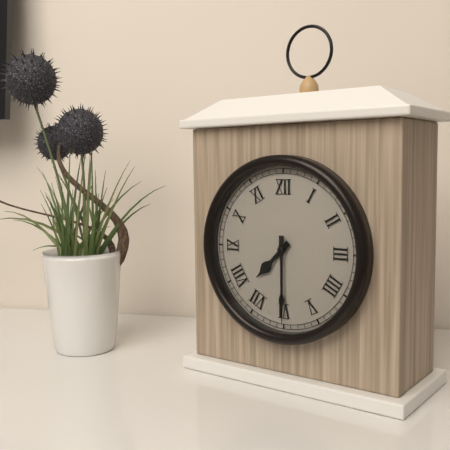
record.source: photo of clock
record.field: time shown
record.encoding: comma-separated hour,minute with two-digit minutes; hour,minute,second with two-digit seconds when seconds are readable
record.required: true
7,30
